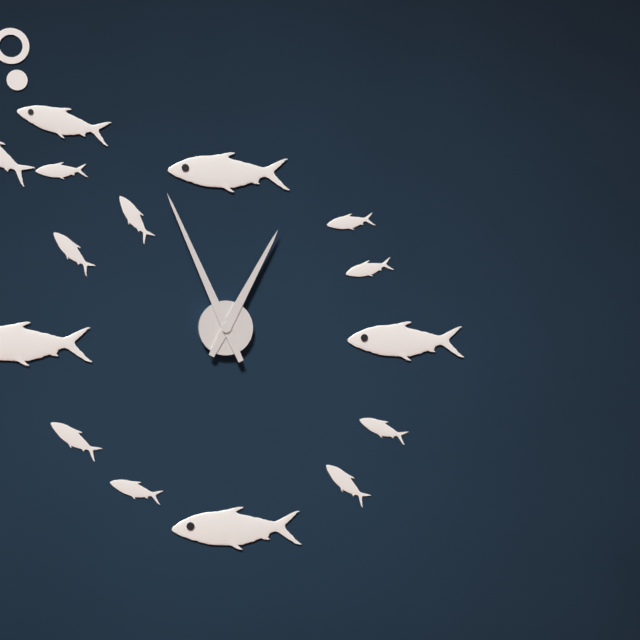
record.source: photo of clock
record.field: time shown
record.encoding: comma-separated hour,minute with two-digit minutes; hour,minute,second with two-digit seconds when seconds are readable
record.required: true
12,56
